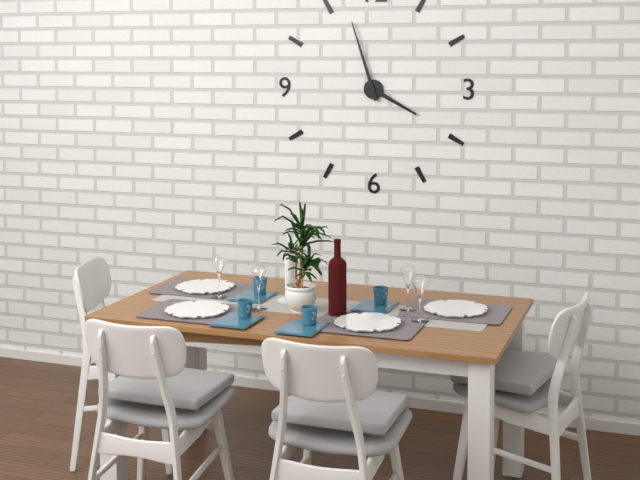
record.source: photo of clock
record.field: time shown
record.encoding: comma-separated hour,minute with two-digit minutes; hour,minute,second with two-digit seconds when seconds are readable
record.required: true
3,57
